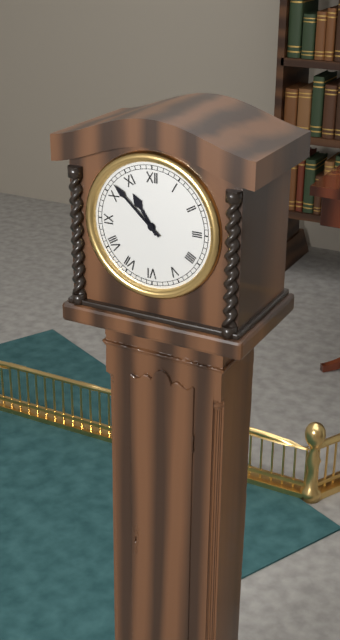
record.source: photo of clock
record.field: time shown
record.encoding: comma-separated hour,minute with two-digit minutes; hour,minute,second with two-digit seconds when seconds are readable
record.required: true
10,52
